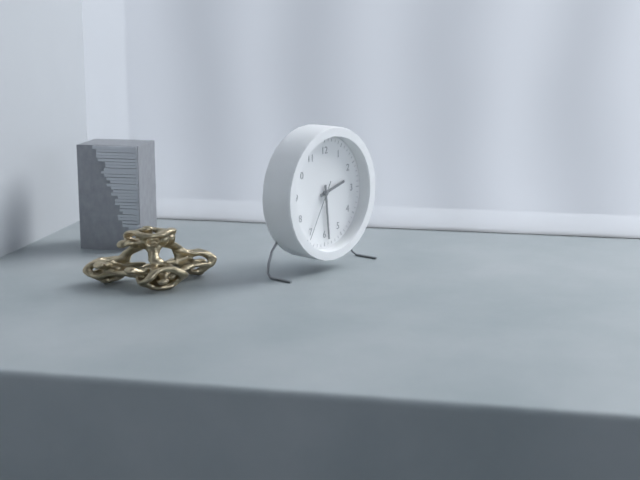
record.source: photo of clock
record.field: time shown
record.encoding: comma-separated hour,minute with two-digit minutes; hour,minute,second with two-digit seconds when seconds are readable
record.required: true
2,29,35
